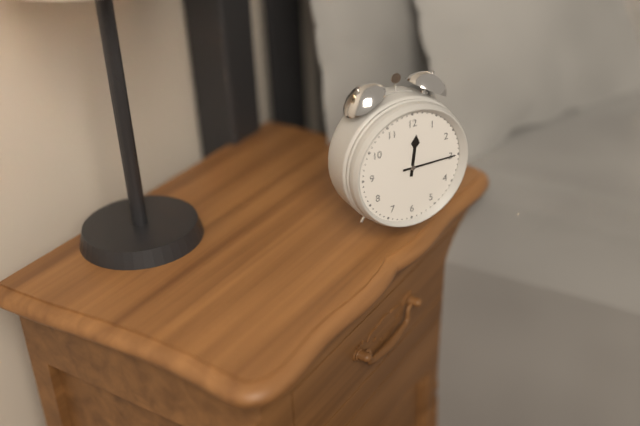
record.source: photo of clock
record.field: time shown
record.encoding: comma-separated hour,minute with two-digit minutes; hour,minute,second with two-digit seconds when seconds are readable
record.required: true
12,15
